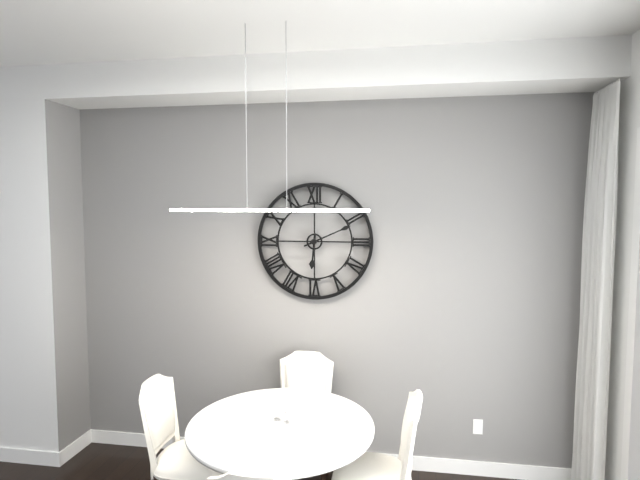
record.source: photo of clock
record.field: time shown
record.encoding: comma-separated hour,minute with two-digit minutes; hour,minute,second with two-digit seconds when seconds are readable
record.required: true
6,11
